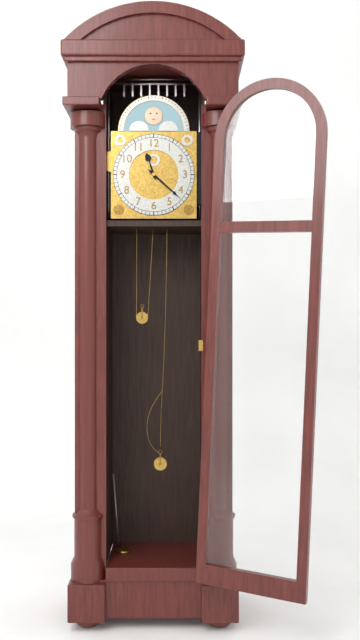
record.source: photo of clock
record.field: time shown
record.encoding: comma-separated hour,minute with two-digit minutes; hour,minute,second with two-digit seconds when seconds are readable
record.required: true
11,22
